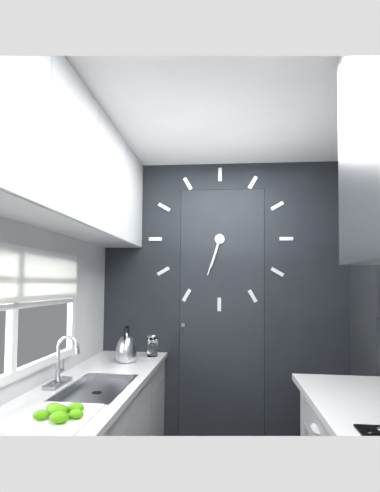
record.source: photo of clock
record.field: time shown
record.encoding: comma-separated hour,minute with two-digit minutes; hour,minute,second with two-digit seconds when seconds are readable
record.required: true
6,33
